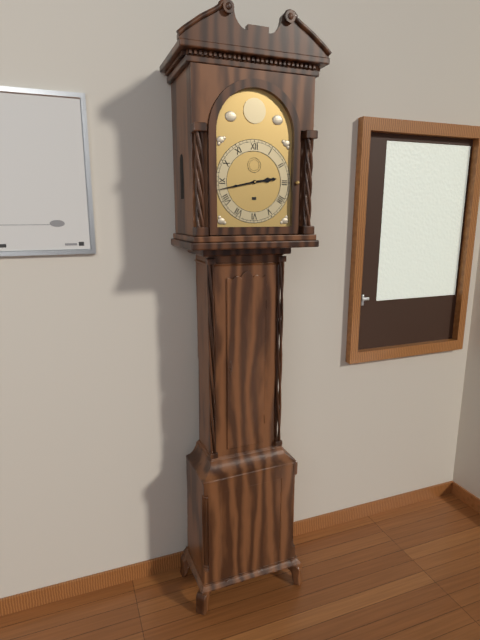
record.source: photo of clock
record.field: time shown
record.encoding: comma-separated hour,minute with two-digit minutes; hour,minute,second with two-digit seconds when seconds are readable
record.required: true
2,43
